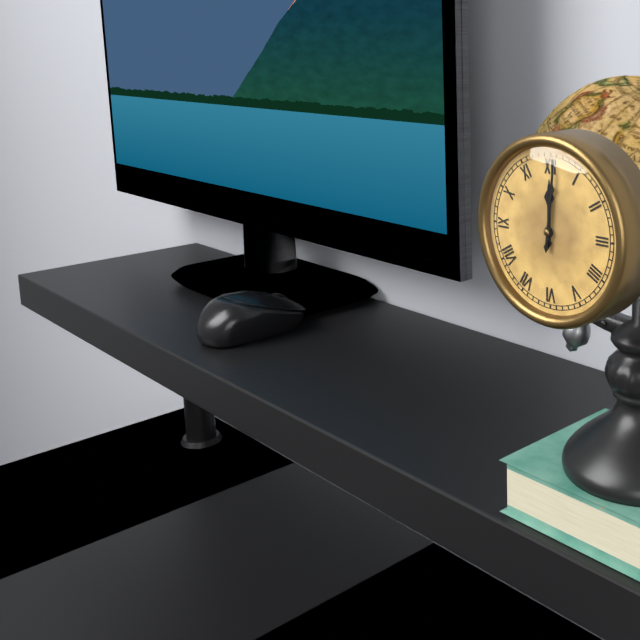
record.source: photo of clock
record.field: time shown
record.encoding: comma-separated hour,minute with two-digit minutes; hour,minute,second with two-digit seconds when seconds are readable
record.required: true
12,01
